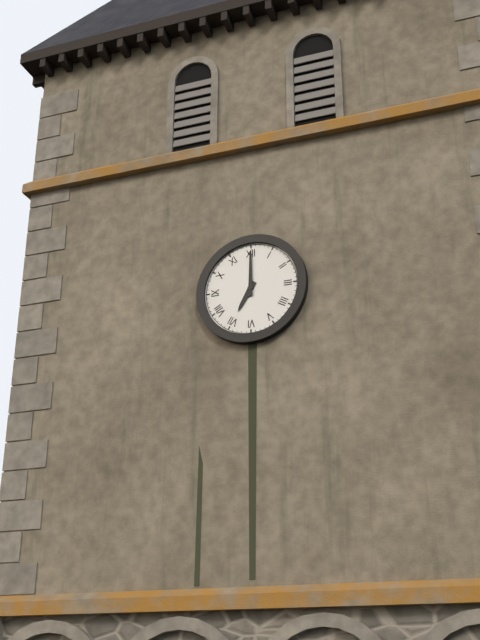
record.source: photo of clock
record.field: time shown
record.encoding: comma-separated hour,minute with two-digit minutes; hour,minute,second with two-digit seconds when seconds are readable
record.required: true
7,00
